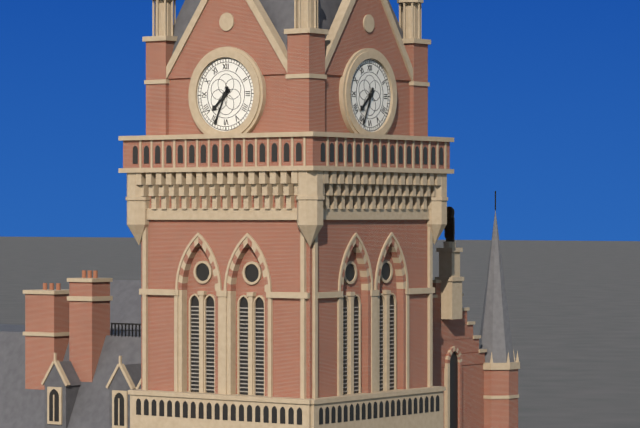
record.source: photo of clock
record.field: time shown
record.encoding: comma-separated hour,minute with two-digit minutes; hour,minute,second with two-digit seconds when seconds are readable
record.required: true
7,34
